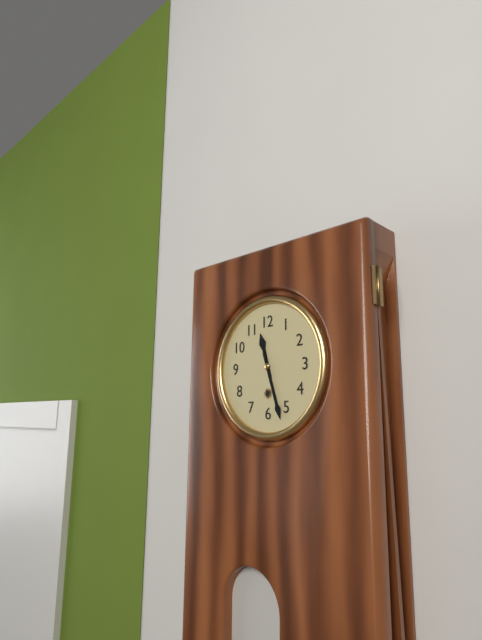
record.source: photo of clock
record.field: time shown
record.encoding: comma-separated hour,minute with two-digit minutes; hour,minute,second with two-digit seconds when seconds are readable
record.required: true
11,27
